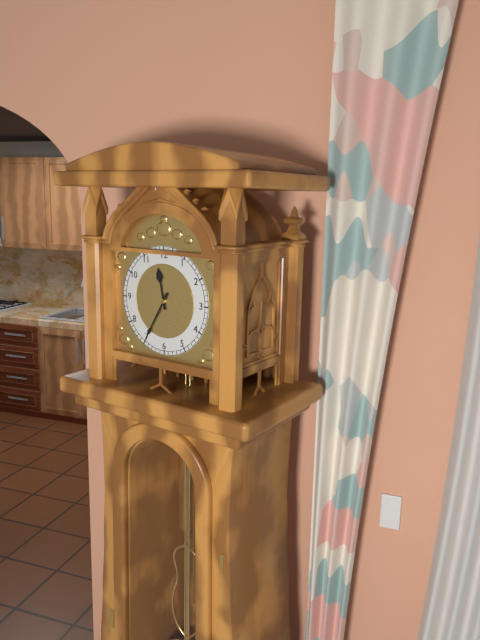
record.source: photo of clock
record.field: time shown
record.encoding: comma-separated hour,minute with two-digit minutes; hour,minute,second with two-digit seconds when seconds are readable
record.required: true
11,35
